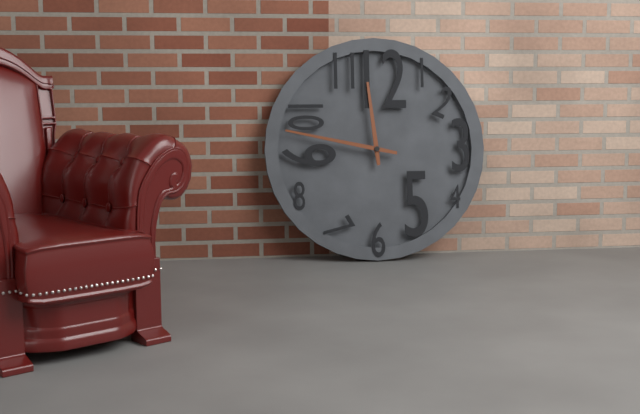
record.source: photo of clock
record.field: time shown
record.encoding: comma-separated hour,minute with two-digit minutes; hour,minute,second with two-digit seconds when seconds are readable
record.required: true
11,47
